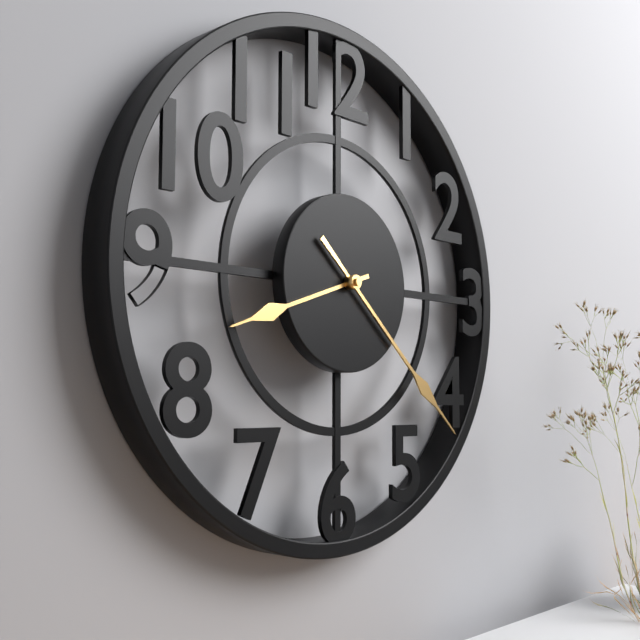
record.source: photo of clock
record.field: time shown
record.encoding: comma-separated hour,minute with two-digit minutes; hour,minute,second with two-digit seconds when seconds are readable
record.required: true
8,22
